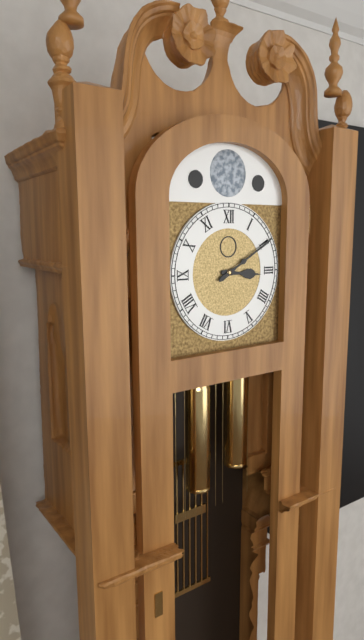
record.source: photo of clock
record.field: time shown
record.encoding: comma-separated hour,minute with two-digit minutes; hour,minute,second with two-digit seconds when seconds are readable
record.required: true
3,10
